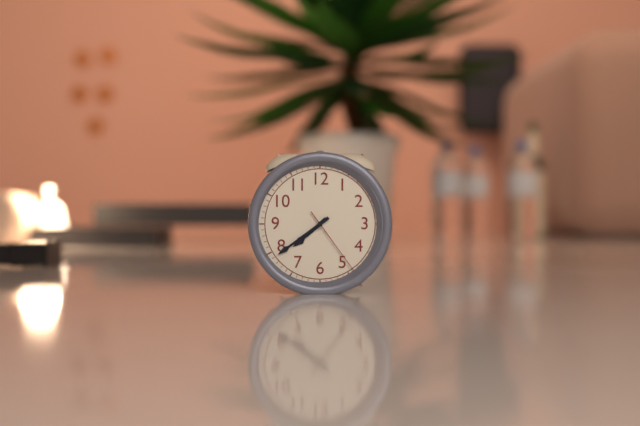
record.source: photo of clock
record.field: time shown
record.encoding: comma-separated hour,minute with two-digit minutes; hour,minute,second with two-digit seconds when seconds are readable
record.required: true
7,39,24
